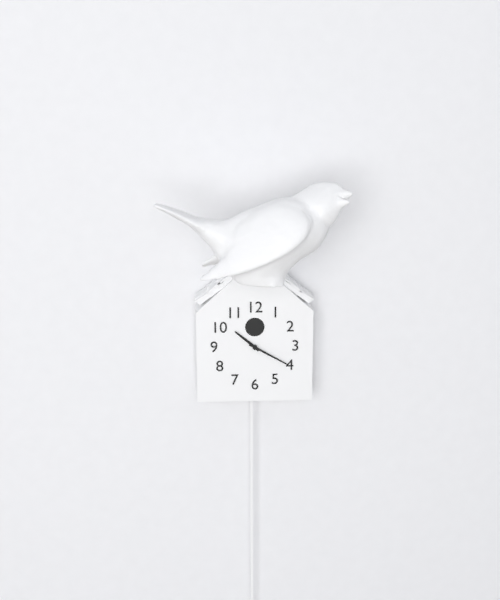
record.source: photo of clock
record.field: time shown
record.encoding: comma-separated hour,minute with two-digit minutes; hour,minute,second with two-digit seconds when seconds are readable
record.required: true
10,20
